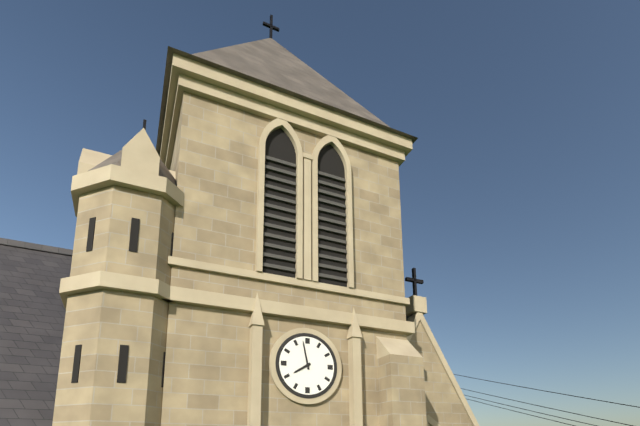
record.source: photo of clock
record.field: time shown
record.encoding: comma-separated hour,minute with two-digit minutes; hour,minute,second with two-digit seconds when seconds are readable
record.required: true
7,58
